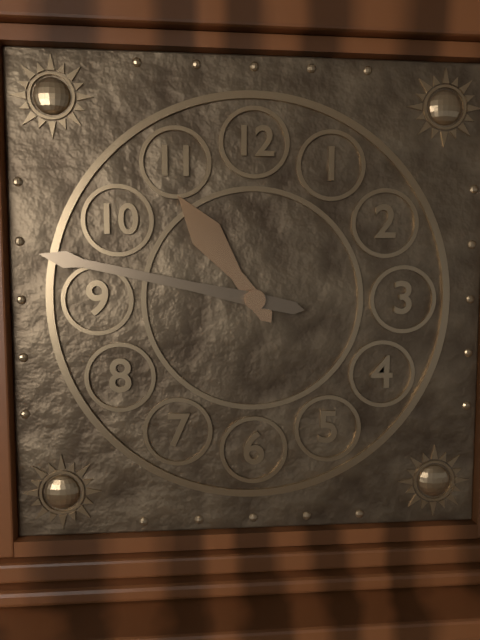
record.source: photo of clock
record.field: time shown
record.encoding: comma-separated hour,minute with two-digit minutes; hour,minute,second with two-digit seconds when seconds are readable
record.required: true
10,47
